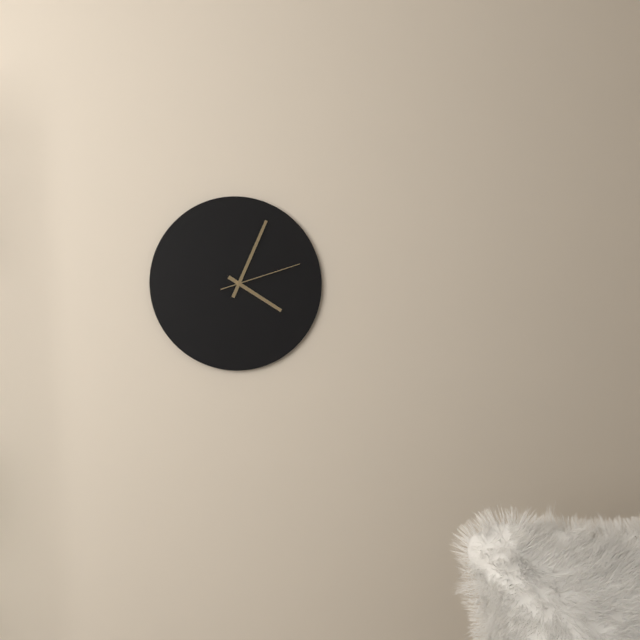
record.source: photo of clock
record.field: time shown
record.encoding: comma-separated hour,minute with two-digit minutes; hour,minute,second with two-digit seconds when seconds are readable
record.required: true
4,04,12
